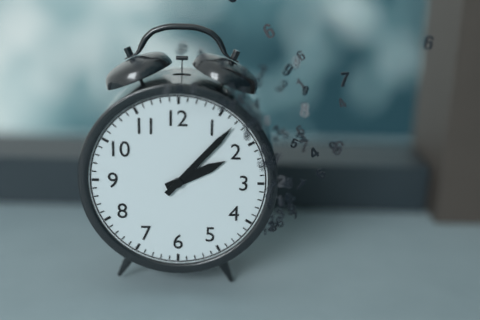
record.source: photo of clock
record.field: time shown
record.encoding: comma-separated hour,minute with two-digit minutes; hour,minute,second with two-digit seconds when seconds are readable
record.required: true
2,07
